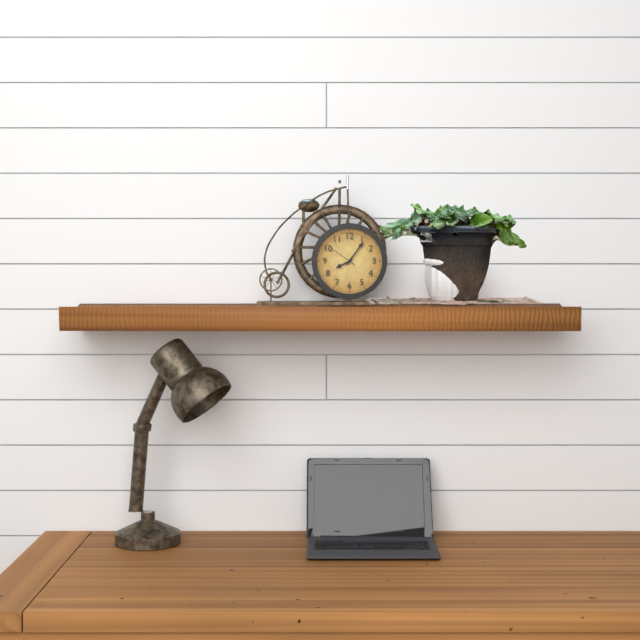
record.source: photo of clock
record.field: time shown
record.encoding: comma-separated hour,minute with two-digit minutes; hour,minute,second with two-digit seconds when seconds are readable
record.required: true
8,06
